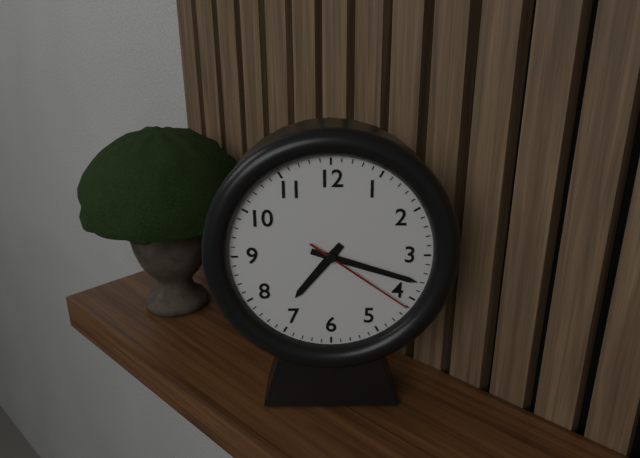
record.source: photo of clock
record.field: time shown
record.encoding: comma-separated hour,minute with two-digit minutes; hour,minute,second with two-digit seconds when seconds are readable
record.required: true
7,18,21
